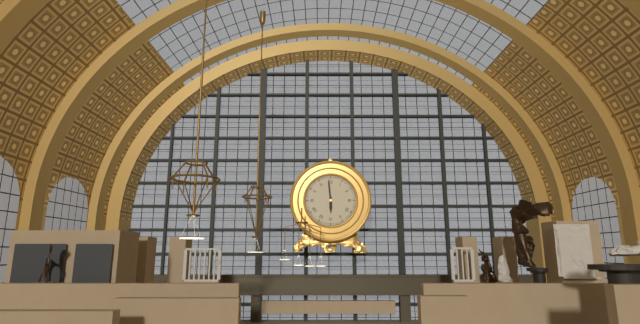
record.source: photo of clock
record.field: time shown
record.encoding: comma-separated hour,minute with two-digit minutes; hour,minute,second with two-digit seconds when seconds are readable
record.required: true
5,59
